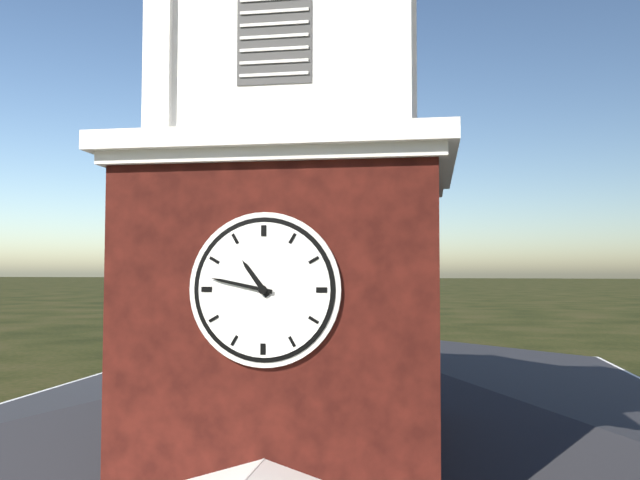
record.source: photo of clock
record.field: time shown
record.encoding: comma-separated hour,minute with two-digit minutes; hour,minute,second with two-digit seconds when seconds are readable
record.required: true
10,47
